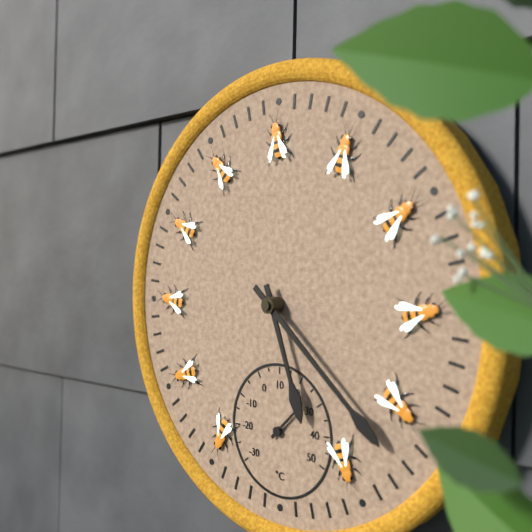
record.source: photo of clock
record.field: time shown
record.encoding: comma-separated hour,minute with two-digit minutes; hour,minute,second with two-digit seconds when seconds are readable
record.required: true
5,22
